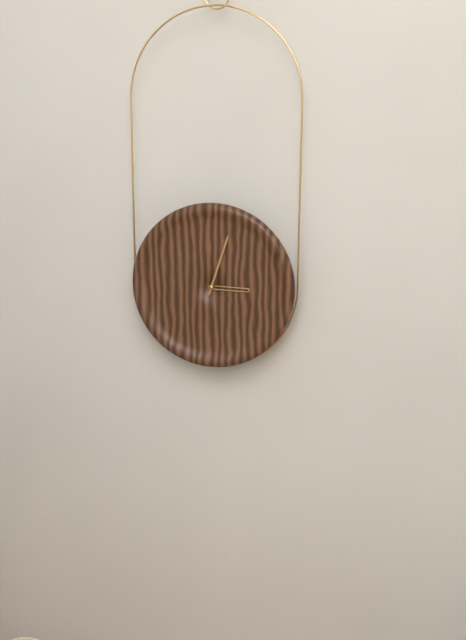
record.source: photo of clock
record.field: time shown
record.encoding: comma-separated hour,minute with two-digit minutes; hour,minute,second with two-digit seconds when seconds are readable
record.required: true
3,03
